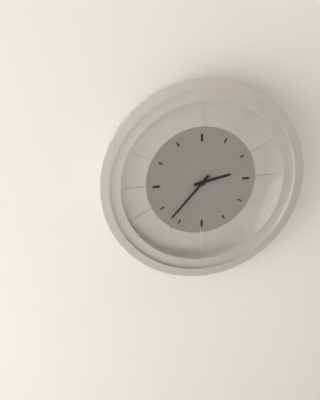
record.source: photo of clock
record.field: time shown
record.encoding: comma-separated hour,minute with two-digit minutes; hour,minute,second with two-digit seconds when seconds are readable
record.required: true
2,37
